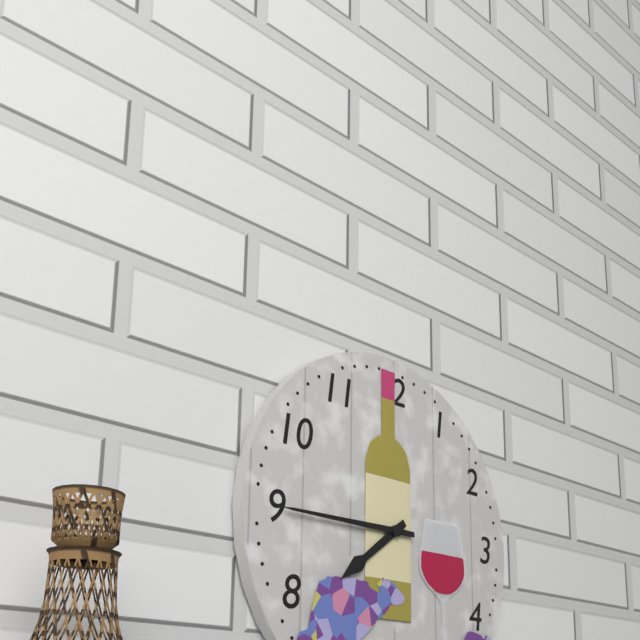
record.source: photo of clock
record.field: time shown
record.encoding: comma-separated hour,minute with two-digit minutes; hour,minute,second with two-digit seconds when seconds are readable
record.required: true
7,45
